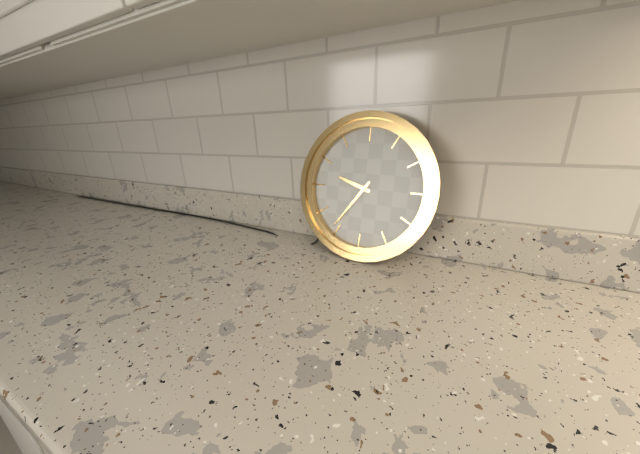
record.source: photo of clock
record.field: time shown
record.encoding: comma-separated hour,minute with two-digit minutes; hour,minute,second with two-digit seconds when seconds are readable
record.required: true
9,36
